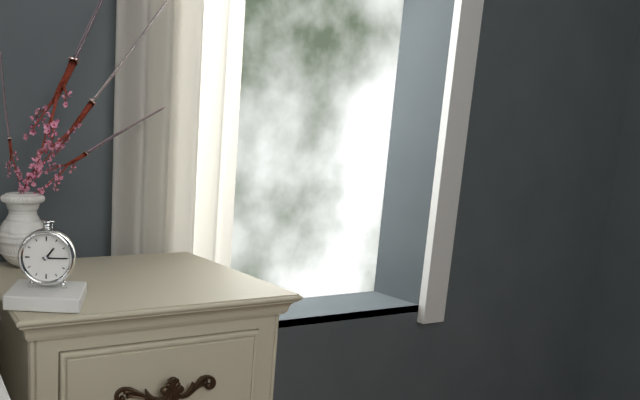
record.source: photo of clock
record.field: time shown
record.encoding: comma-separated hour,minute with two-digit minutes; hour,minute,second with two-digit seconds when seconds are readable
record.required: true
1,15
